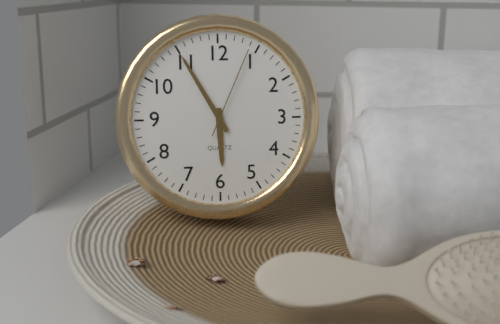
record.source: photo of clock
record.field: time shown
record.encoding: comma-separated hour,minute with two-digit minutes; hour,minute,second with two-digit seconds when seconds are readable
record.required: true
5,55,04
